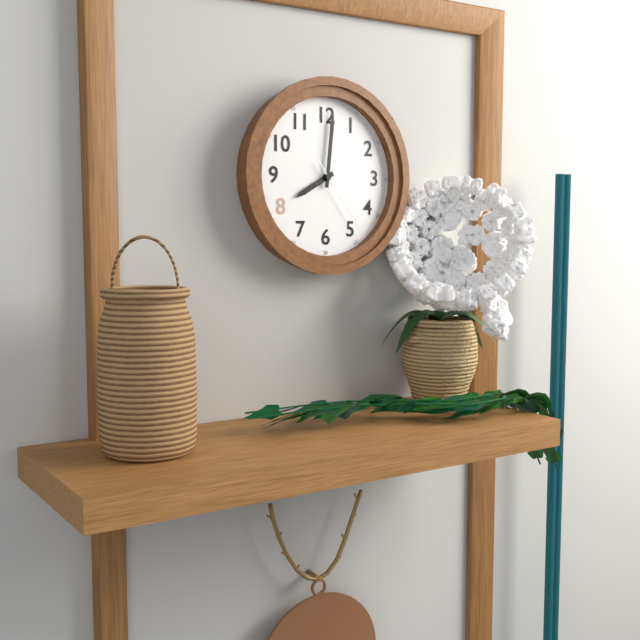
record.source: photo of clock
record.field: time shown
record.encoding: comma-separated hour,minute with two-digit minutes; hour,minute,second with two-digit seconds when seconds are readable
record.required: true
8,01,24
